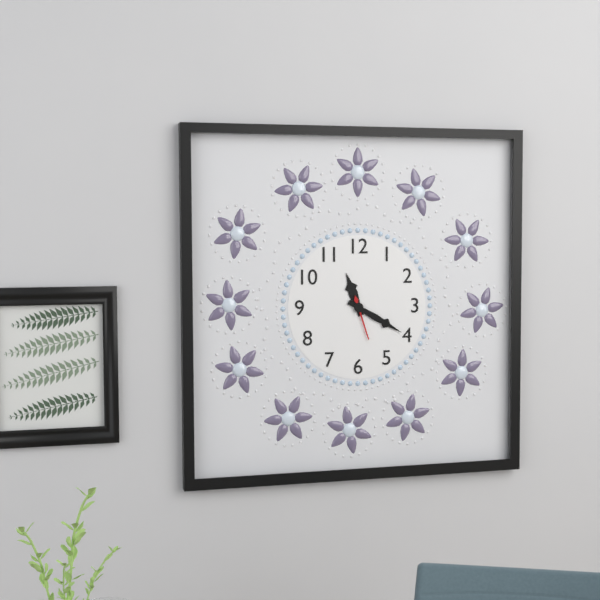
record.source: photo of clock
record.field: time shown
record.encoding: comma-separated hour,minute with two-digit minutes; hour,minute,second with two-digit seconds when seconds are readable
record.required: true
11,20
